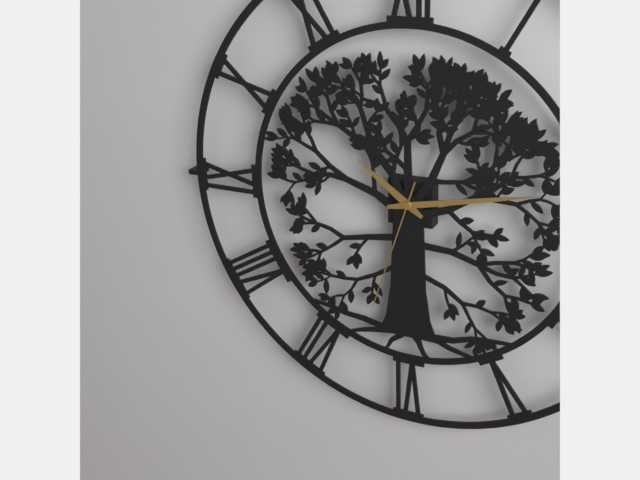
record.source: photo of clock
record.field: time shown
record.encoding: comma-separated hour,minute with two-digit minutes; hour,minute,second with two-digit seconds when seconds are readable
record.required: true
10,13,33
